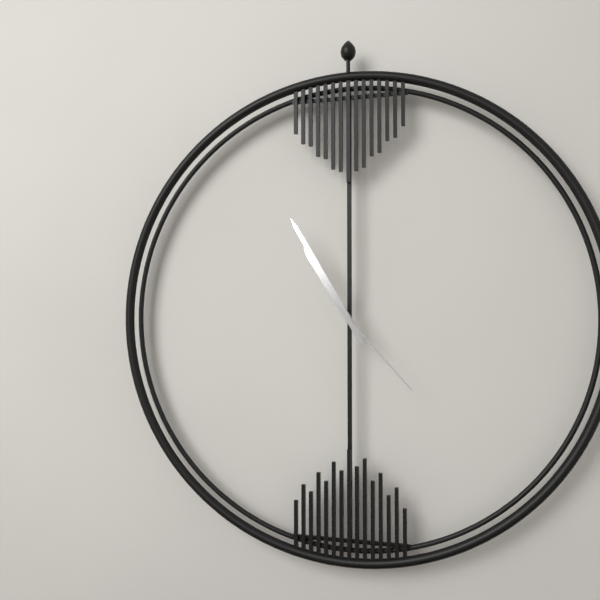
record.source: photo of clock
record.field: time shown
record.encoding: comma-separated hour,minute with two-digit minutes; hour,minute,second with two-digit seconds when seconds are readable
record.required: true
10,55,23
